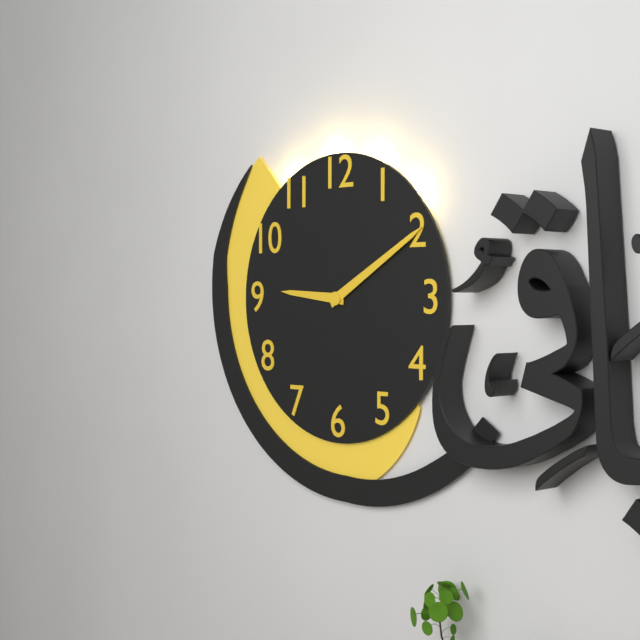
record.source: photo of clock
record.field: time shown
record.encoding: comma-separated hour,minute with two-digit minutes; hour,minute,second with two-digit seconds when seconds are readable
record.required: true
9,10
